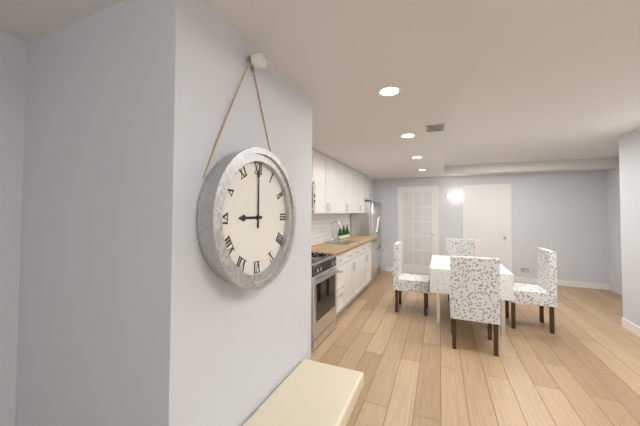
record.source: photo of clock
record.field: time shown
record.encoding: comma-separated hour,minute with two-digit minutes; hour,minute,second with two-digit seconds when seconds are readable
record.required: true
9,00
